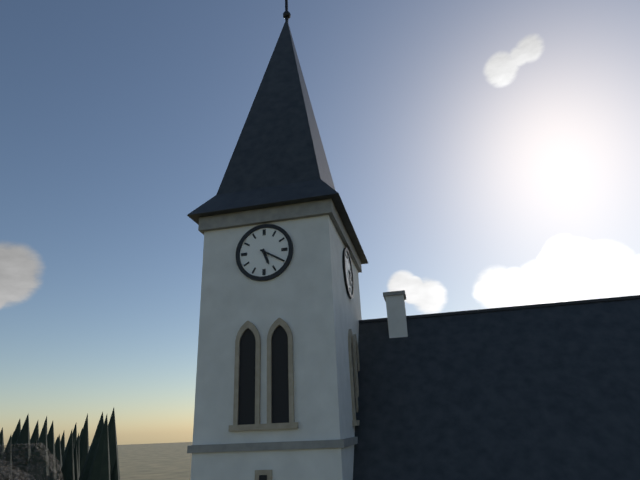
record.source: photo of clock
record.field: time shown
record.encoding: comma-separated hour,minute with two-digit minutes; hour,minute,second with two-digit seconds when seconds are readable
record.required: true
5,20
